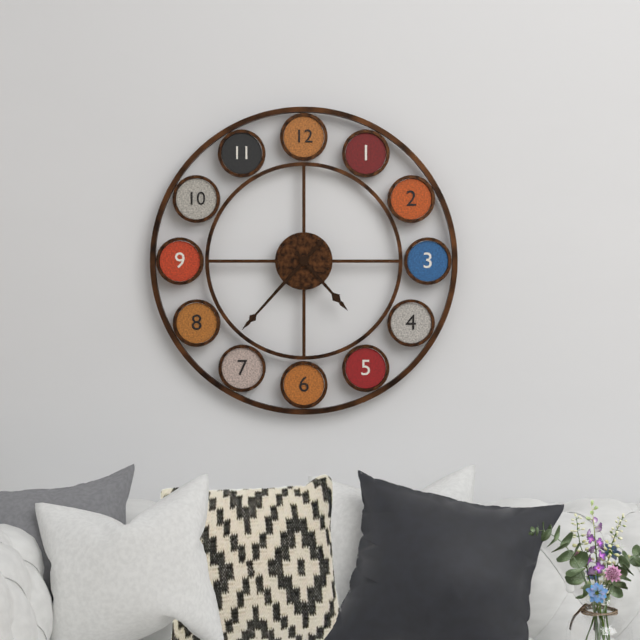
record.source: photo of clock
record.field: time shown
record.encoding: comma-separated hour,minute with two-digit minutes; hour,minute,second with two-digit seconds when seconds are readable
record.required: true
4,37
